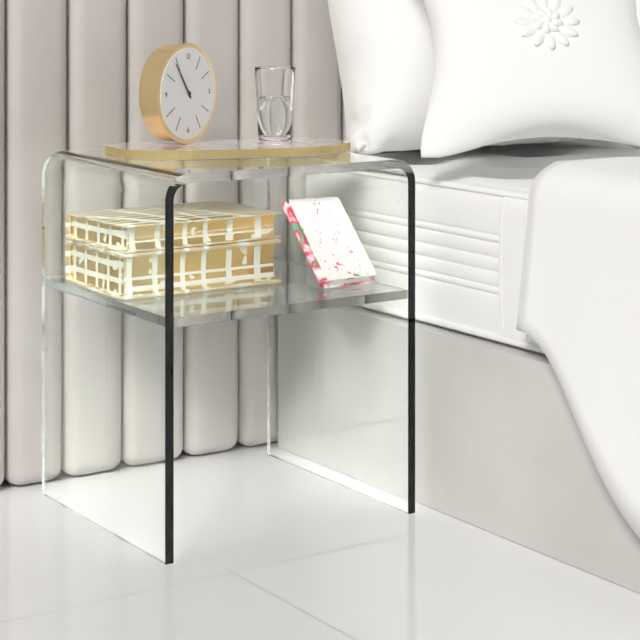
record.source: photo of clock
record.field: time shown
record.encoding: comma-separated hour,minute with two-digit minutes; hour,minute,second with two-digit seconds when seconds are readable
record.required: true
10,54
